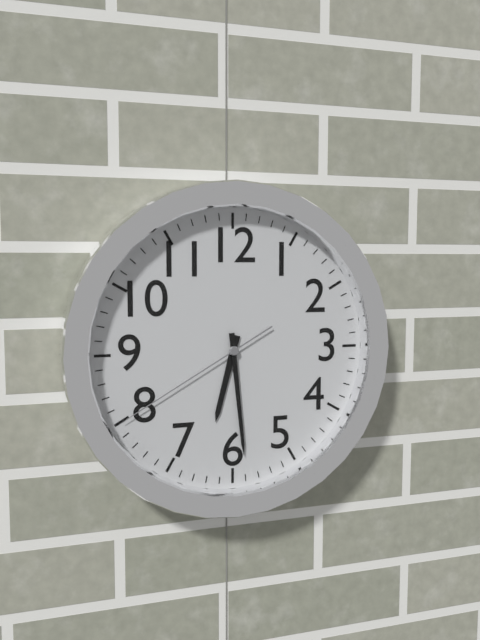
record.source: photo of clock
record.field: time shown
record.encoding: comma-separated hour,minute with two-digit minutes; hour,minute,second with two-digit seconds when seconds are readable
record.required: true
6,29,40
